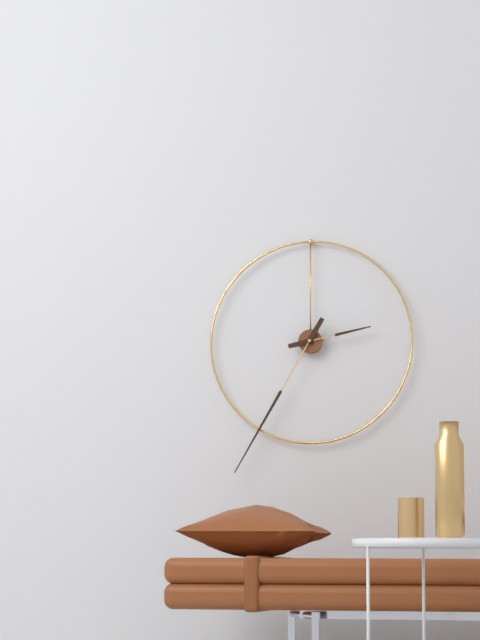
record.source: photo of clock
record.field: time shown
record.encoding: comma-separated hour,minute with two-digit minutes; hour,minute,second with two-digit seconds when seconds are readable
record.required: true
2,35
